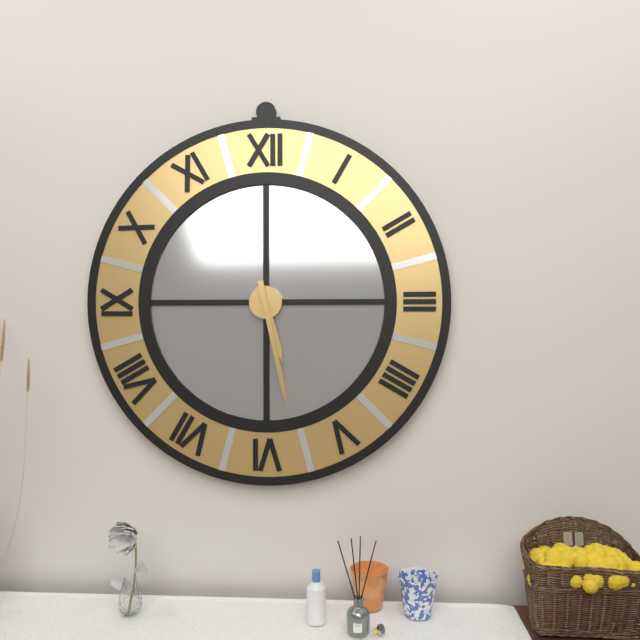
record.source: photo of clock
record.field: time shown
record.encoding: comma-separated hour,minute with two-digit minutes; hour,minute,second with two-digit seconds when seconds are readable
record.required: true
5,28
